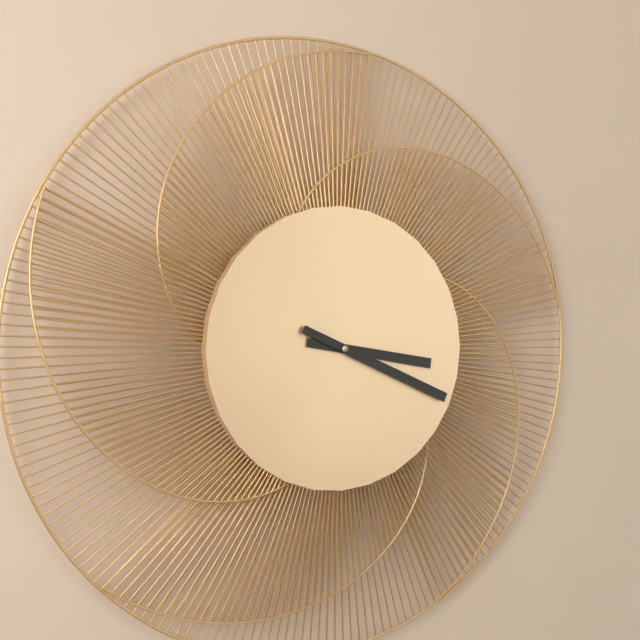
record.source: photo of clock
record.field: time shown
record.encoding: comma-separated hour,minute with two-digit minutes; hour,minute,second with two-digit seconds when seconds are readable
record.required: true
3,19
